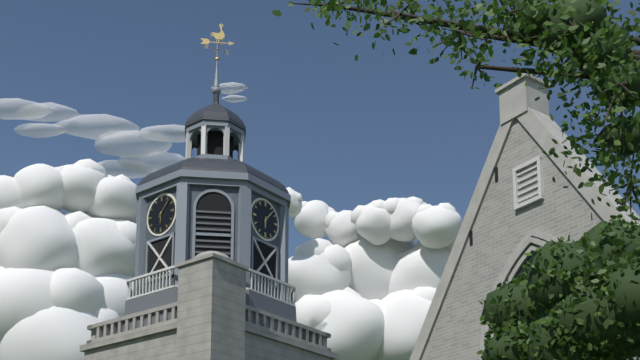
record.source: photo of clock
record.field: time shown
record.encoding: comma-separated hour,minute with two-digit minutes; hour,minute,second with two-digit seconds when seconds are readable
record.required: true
6,07
